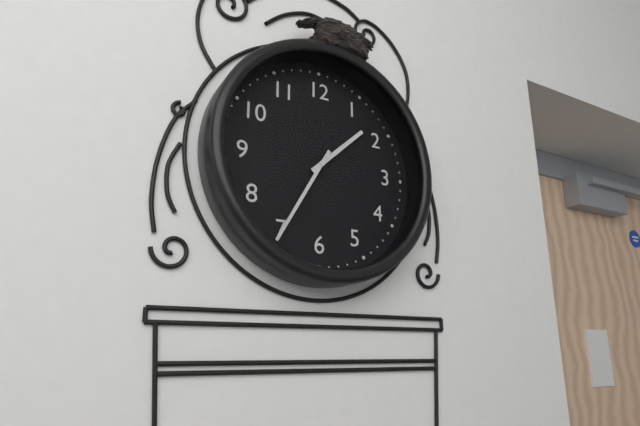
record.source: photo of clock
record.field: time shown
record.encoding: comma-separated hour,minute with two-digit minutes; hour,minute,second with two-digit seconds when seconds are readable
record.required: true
1,35
